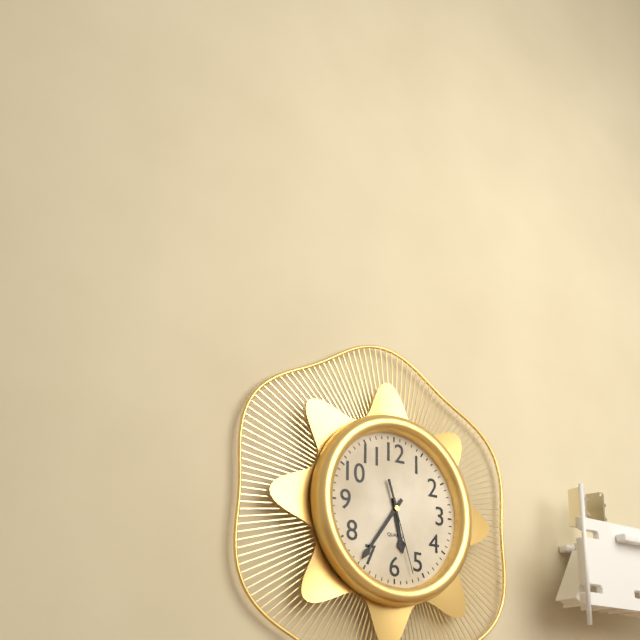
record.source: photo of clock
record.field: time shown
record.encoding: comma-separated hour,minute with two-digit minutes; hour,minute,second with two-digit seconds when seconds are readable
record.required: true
5,36,27
